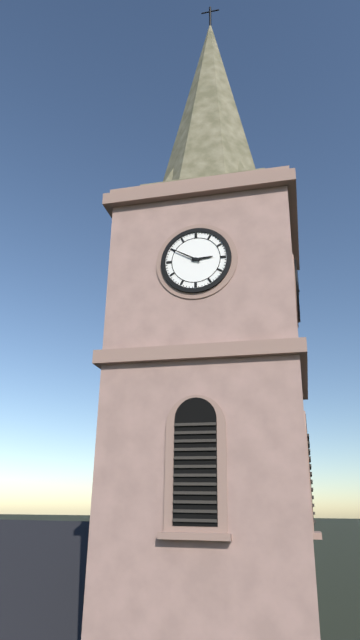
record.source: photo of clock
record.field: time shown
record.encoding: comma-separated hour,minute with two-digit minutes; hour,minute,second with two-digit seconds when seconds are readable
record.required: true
2,50
